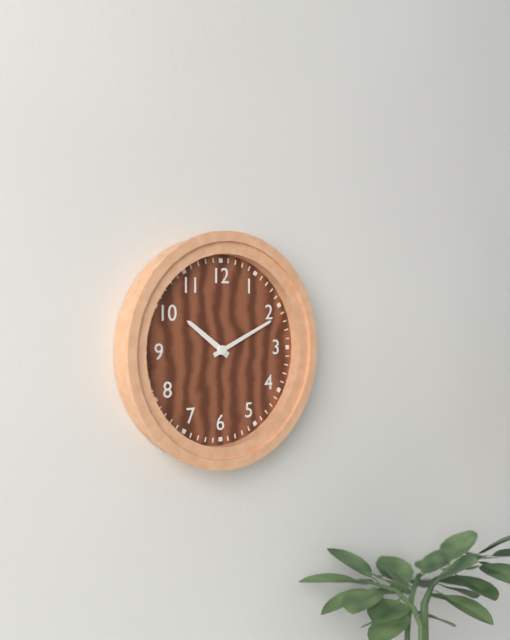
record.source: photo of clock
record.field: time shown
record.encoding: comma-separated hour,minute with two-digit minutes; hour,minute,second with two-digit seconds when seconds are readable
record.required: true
10,11
